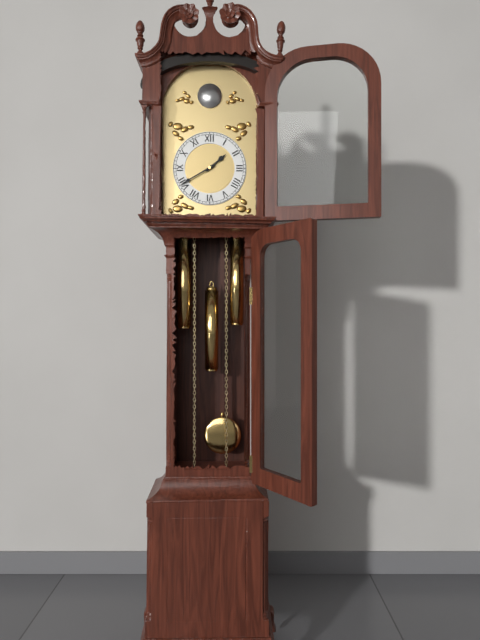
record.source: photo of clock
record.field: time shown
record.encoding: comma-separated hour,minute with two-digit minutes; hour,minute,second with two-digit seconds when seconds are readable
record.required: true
1,40
